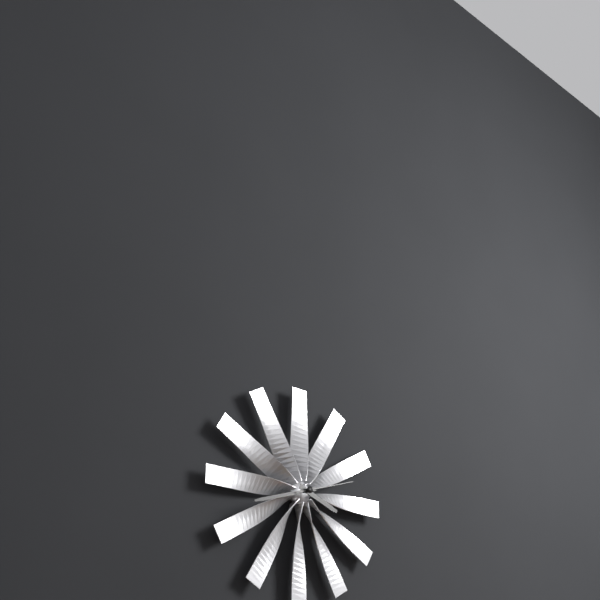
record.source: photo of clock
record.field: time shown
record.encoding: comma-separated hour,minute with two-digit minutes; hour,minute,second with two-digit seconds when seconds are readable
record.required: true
3,42,12
